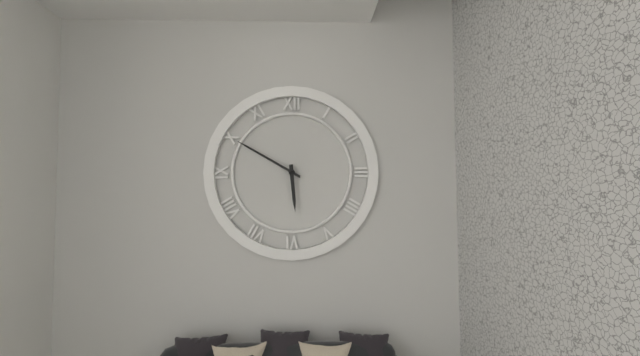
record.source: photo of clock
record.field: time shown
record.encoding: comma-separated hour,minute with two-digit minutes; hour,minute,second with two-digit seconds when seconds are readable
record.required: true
5,50
